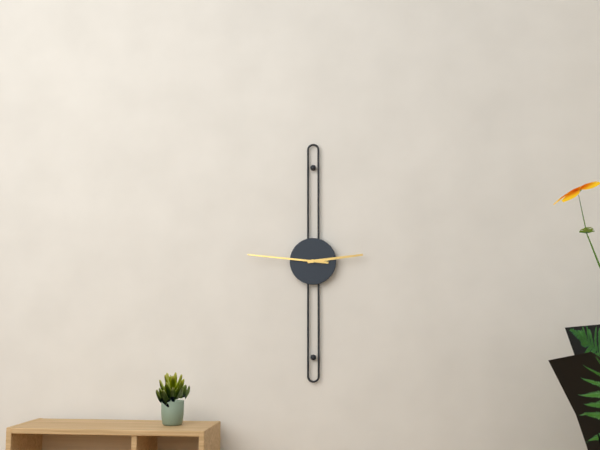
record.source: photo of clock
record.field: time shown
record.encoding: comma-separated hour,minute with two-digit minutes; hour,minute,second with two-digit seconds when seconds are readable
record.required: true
2,46
